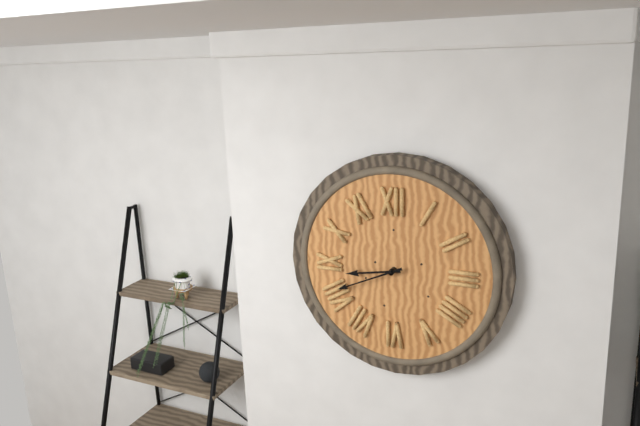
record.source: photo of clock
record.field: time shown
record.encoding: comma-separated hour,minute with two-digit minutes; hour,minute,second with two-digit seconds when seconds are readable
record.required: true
8,41
